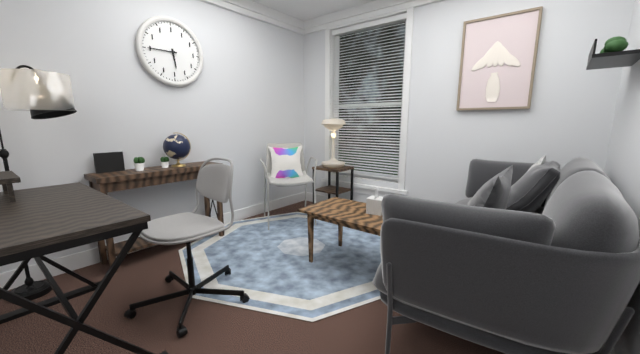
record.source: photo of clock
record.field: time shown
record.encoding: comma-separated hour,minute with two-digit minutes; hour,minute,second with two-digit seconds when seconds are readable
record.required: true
5,45
